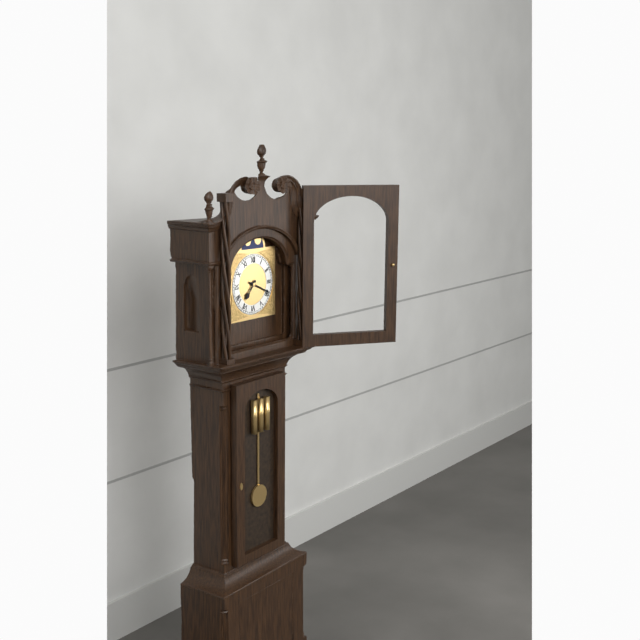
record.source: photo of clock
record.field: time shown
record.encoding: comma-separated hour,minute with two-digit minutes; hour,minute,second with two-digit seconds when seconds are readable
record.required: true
7,19
